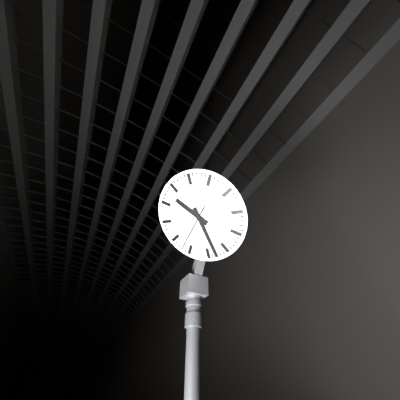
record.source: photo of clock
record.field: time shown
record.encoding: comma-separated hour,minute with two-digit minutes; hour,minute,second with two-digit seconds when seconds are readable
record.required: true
11,33
